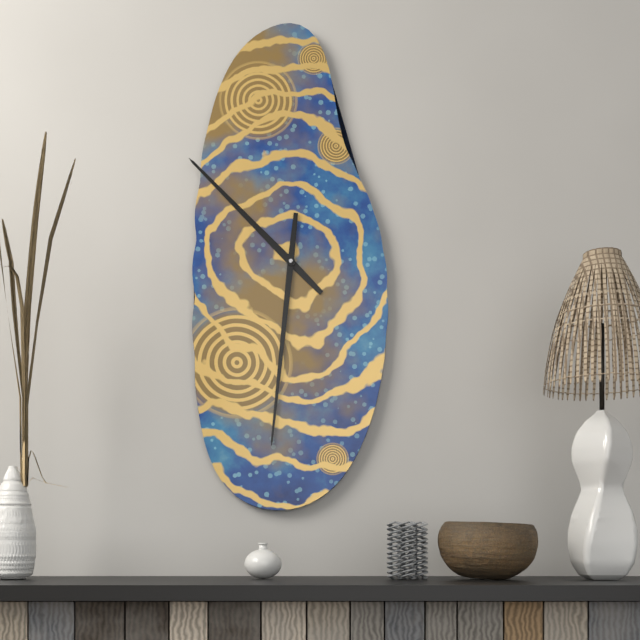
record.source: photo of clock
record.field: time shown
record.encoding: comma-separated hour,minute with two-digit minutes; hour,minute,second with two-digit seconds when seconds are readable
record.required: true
10,31
